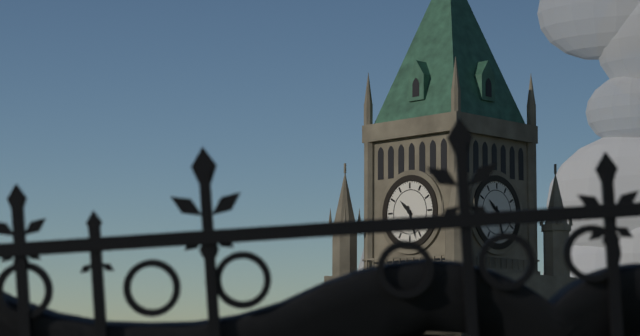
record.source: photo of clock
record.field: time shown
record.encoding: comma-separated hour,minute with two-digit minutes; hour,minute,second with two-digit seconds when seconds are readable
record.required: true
10,27
